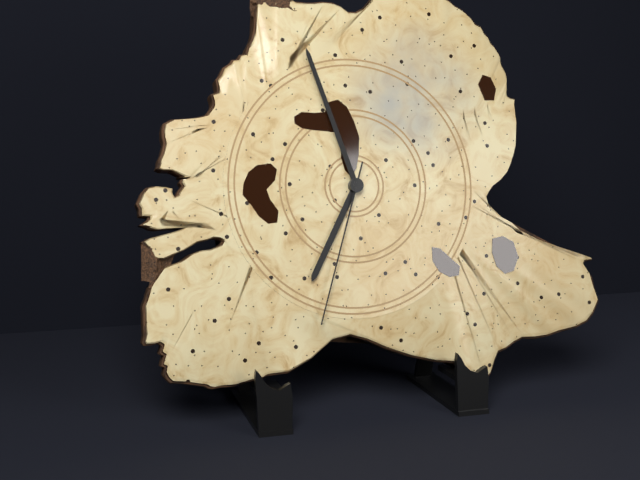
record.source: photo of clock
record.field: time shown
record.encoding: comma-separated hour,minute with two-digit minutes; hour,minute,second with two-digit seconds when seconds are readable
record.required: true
6,57,33
